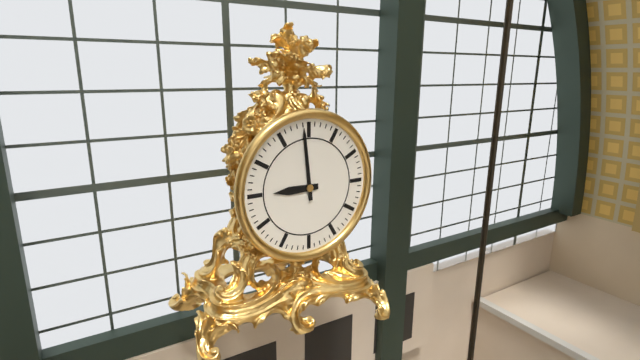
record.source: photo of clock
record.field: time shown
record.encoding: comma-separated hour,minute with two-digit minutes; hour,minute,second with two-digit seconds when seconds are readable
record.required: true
8,59
